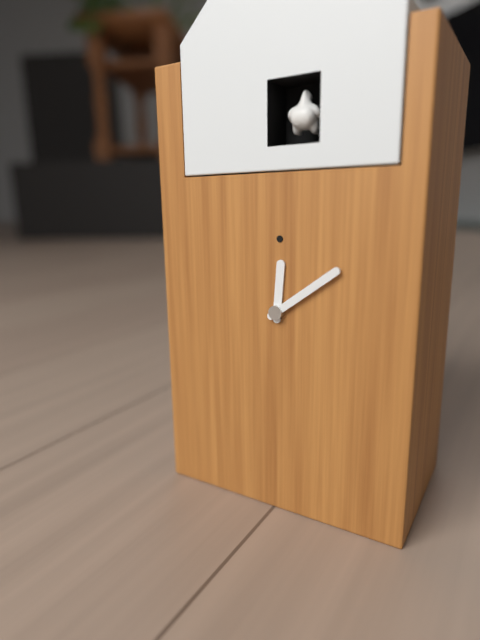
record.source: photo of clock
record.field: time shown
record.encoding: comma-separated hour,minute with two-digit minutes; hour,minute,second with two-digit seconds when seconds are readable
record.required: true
12,09
